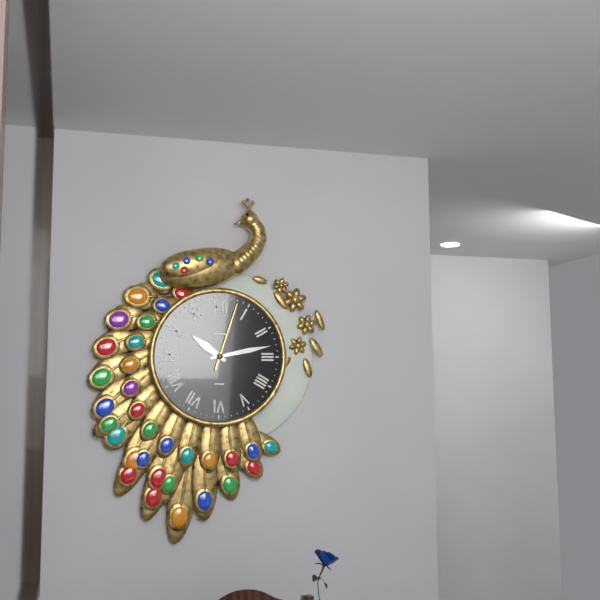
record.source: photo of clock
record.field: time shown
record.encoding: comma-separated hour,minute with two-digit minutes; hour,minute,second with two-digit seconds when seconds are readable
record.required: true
10,13,03
